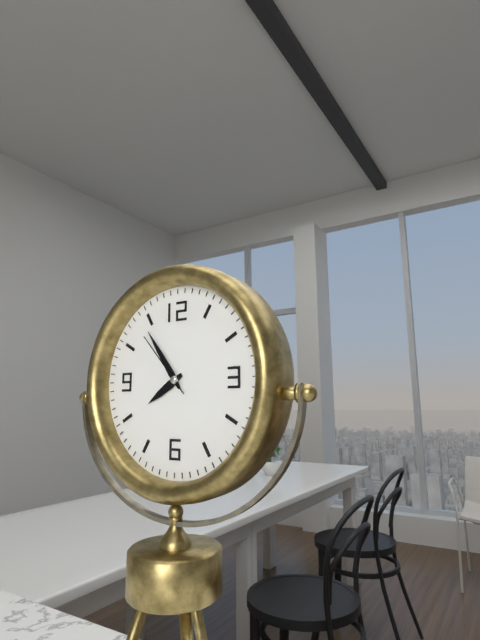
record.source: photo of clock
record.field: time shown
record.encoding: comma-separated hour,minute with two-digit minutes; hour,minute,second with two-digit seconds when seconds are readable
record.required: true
7,54,53
